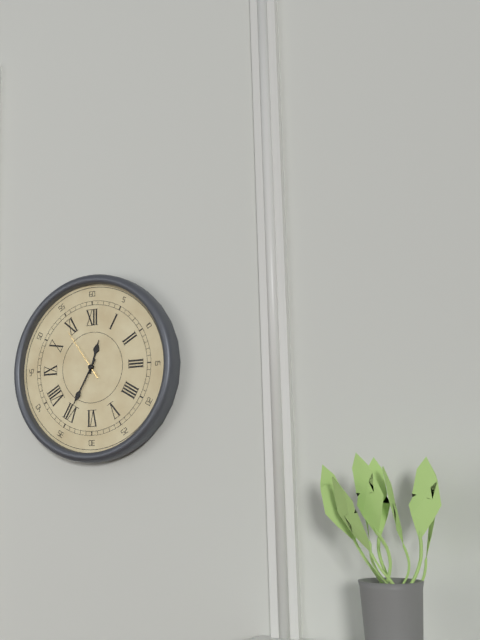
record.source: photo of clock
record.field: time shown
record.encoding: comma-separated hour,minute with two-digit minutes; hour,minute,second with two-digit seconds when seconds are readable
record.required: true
12,35,54
